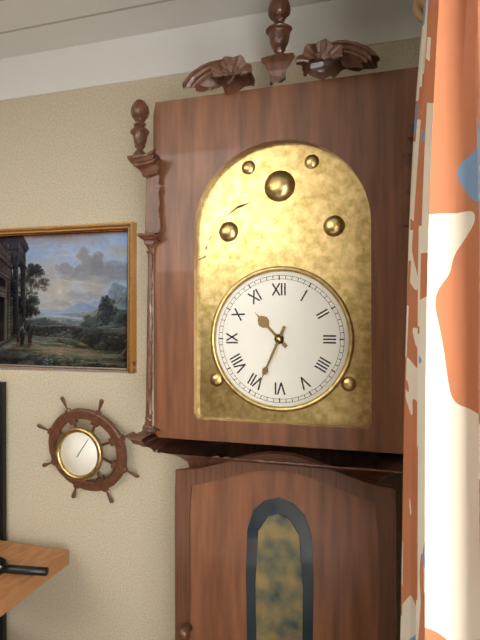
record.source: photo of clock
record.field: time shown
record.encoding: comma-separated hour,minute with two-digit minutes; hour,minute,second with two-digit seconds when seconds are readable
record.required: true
10,34
